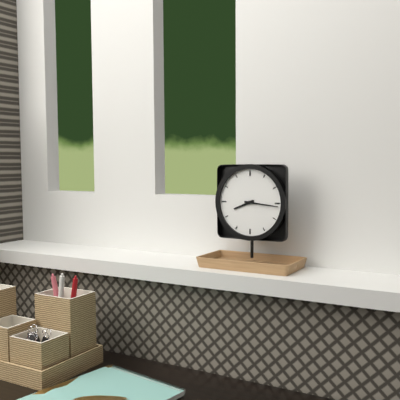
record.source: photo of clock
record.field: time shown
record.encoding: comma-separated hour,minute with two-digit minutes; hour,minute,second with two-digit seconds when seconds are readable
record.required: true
8,16
